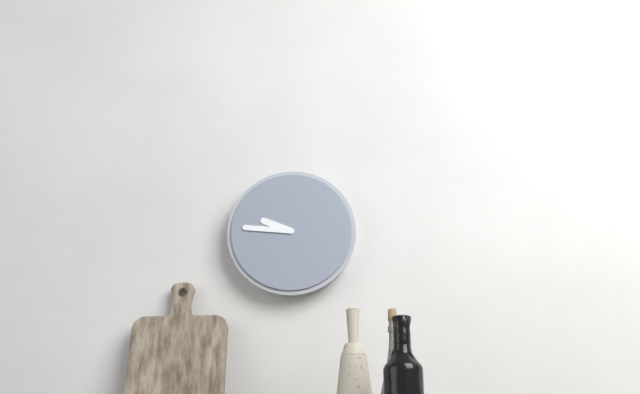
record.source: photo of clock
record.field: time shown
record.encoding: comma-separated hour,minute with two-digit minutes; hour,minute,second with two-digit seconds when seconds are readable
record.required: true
9,46
